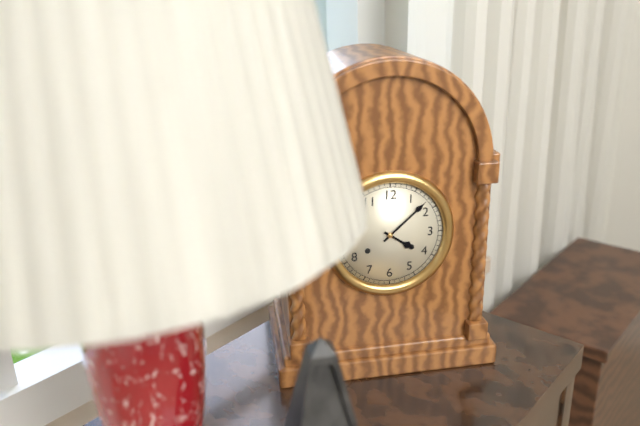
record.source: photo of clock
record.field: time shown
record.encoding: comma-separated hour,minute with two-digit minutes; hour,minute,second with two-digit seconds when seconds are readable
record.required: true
4,08
